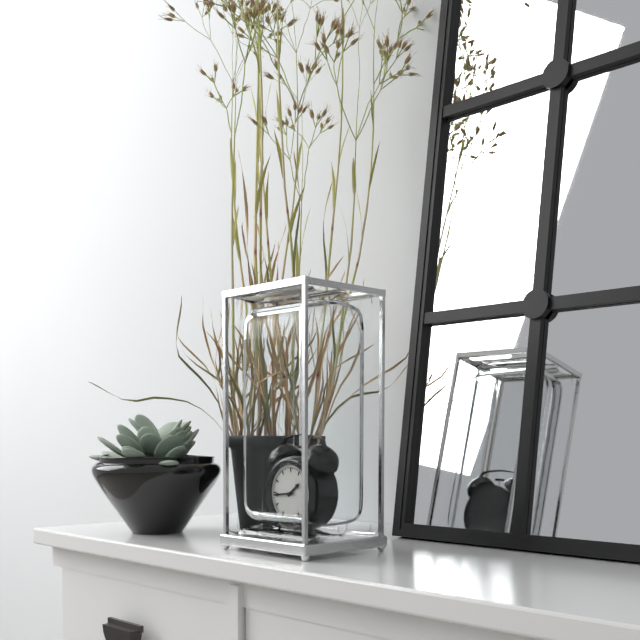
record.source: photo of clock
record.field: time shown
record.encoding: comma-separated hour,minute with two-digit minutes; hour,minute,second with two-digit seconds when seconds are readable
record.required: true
1,44
